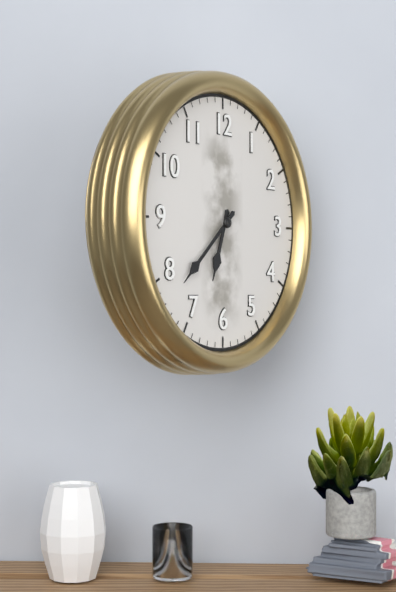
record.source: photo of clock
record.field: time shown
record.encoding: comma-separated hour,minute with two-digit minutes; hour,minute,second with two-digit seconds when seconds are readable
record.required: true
6,38
